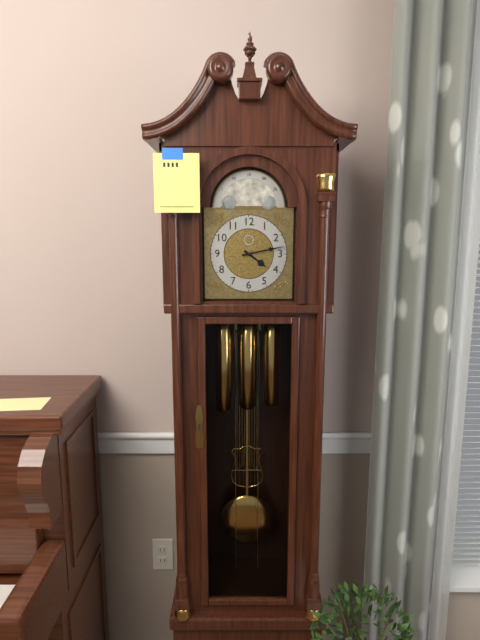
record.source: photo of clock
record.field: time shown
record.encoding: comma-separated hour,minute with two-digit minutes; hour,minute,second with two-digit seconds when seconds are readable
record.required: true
4,13
